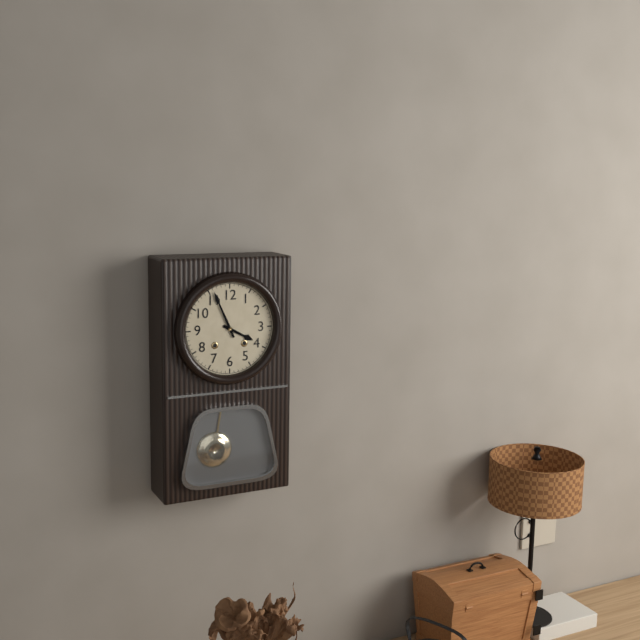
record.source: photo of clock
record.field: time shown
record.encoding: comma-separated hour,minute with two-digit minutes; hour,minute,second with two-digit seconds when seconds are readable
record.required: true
3,56
